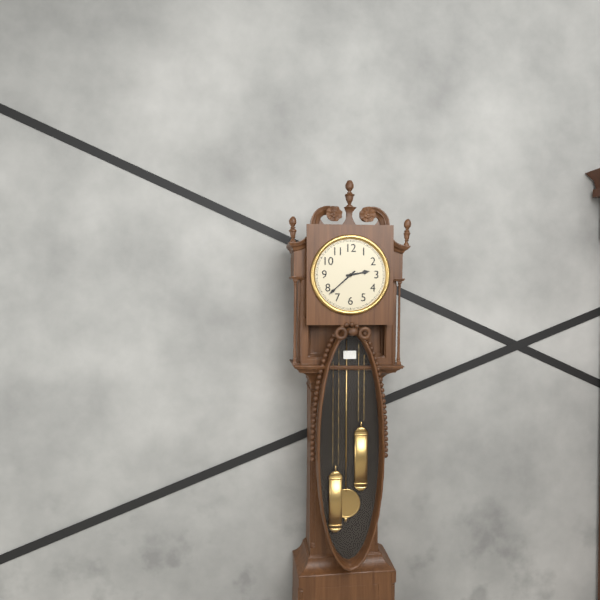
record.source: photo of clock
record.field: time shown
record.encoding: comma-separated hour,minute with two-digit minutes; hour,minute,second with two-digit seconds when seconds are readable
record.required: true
2,38
